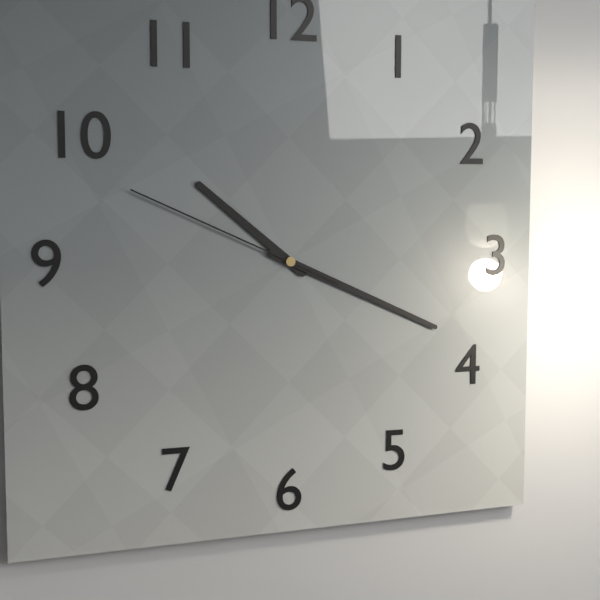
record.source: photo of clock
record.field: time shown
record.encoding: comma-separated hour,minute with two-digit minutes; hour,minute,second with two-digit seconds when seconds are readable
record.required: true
10,19,49
